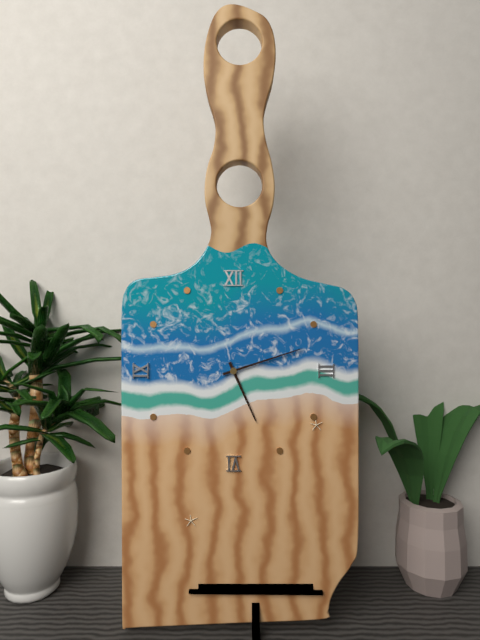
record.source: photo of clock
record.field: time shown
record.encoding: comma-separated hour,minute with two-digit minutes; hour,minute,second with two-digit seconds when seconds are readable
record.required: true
5,12
